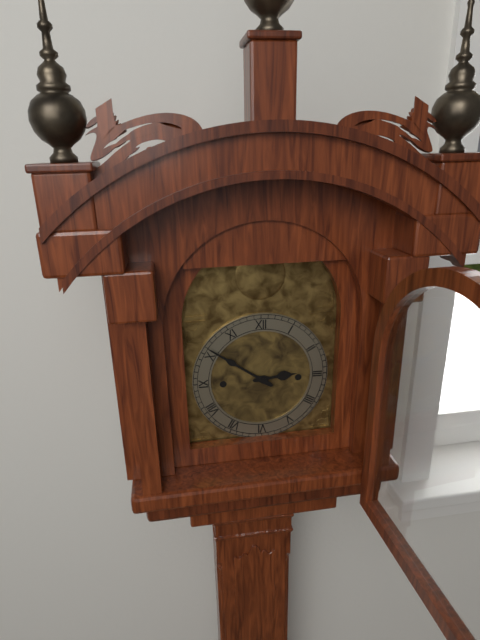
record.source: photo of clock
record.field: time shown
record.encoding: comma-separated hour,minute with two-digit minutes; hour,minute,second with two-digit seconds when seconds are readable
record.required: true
2,51
